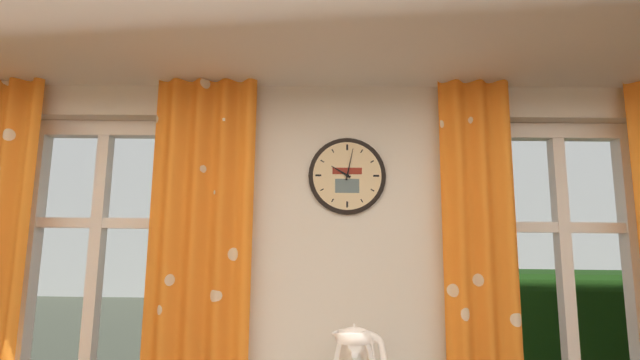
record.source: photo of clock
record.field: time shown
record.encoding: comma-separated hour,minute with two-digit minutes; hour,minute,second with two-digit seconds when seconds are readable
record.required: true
10,02
